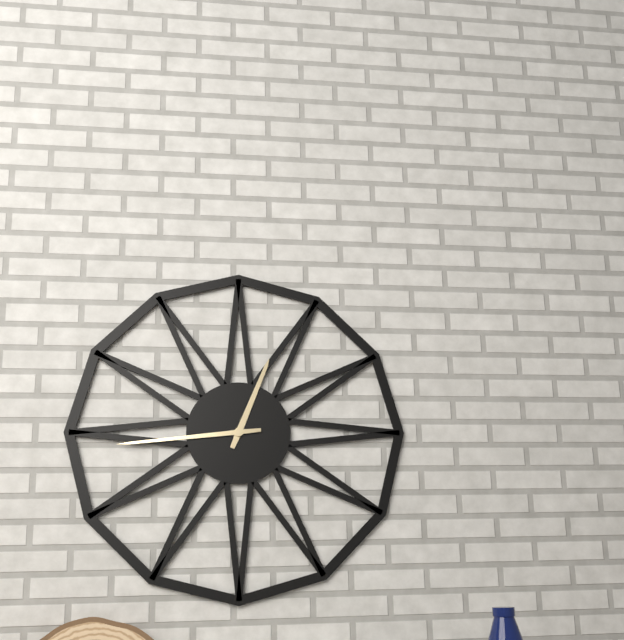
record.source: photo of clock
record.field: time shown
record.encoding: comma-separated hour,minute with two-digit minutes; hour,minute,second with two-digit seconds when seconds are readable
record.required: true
12,44
